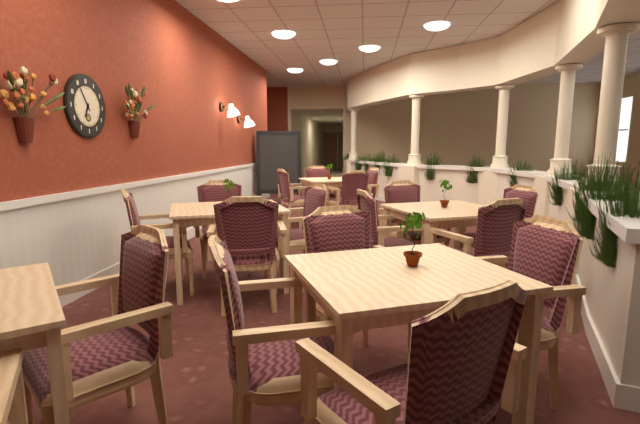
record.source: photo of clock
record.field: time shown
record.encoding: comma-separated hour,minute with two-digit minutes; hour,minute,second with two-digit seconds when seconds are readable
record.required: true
6,55
